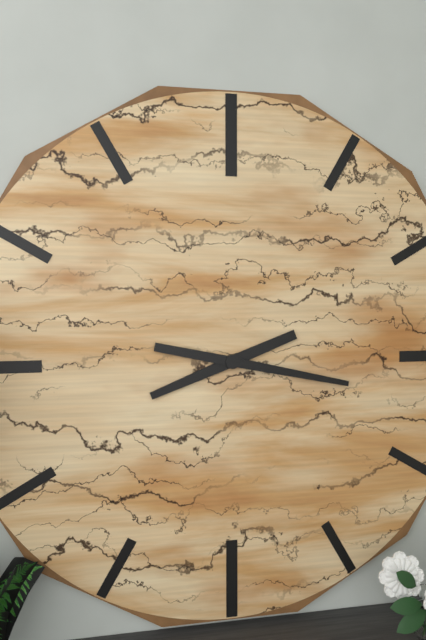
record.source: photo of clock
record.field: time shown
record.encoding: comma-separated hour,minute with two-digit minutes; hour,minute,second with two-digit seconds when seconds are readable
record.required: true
8,17
